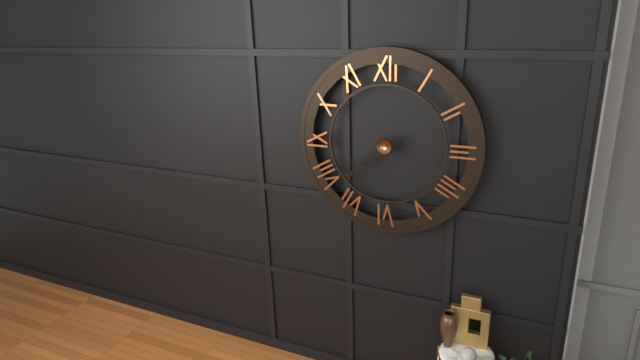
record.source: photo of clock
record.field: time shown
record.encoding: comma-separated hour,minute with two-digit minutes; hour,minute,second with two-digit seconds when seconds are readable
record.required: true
7,38,37
